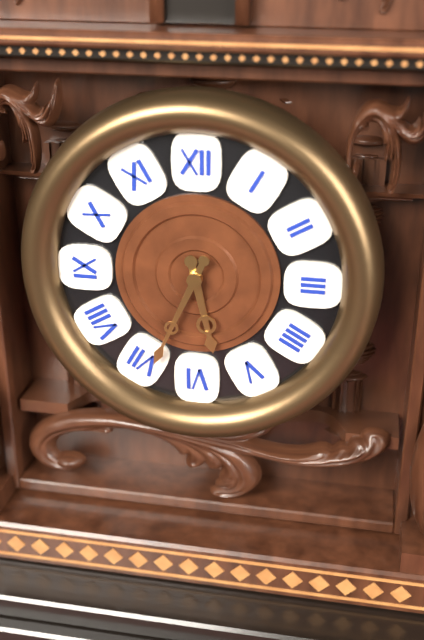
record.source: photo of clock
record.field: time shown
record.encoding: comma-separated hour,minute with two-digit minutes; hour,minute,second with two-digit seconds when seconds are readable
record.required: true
5,34
